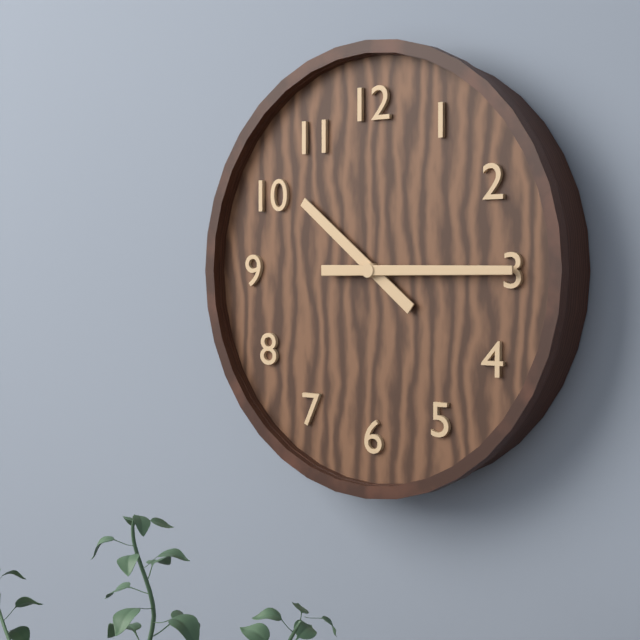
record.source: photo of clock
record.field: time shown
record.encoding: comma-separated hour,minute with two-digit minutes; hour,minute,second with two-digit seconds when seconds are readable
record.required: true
10,15
